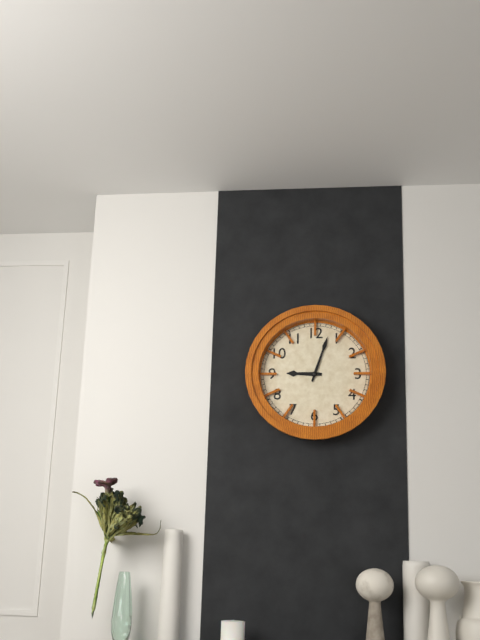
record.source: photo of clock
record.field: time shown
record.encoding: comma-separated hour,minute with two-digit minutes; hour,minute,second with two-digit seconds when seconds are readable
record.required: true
9,03
